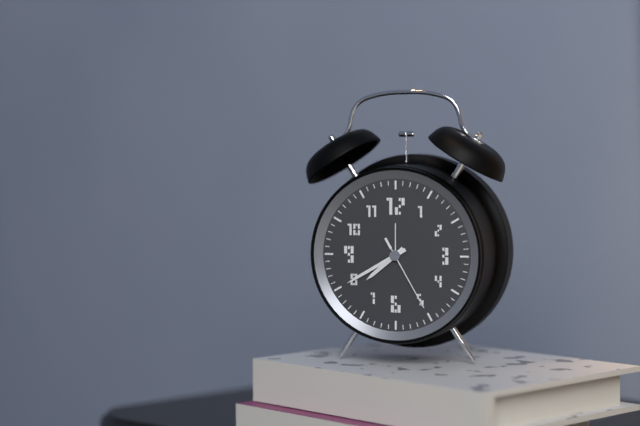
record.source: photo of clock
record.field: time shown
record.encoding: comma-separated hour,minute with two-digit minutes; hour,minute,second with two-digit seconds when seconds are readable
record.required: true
7,40,25
